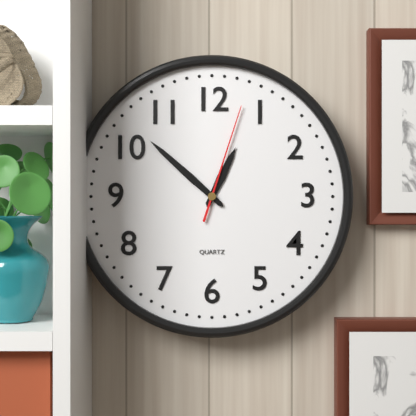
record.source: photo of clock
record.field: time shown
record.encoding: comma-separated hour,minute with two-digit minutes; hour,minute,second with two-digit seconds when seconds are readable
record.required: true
12,52,03
